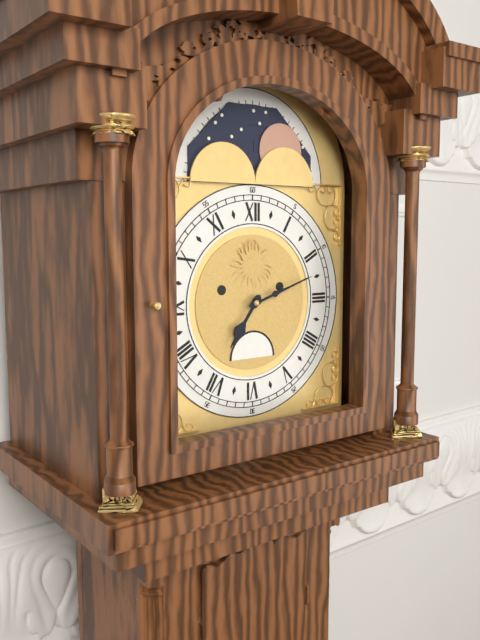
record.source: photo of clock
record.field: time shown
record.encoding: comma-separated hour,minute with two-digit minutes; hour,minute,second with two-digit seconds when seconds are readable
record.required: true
7,12
